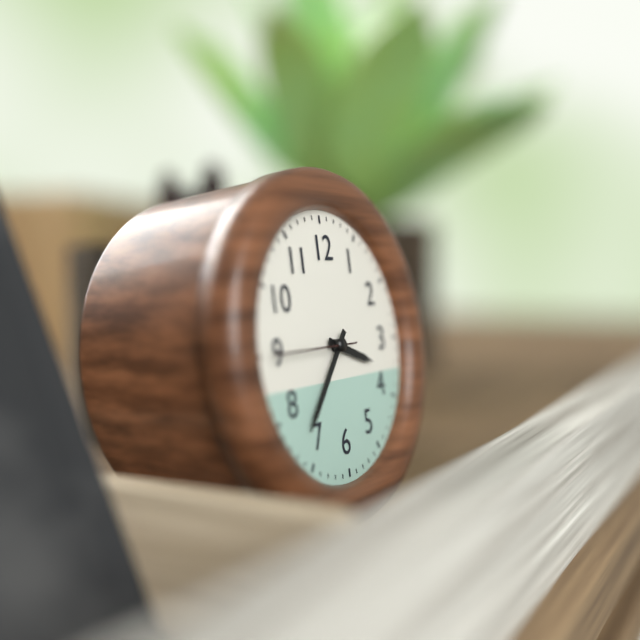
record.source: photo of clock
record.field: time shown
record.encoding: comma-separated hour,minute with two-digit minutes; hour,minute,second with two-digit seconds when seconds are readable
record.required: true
3,37,45
